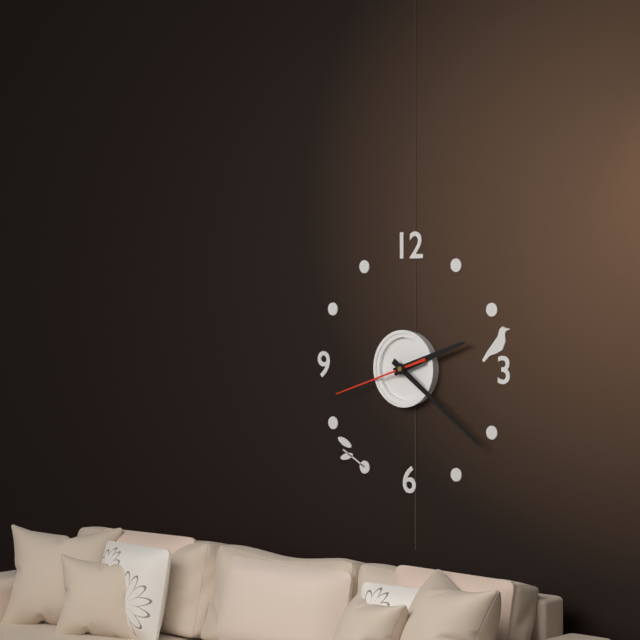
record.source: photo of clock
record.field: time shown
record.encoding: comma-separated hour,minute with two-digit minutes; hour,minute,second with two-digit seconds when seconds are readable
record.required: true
2,21,42
